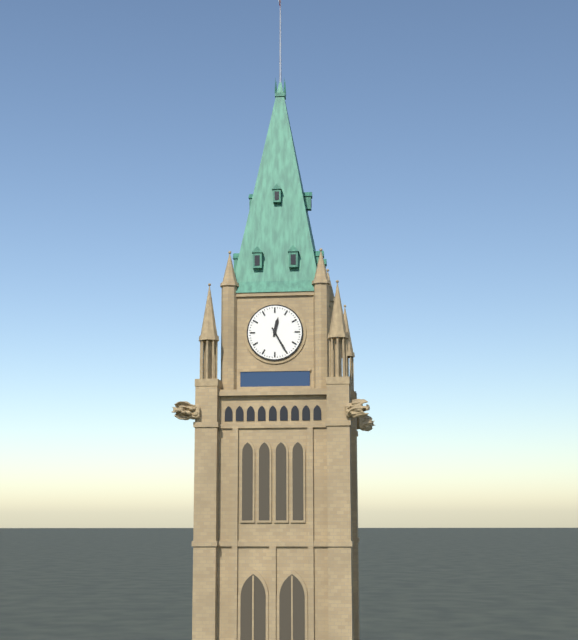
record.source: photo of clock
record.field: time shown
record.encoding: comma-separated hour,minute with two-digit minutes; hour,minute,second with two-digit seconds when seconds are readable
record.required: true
12,25
